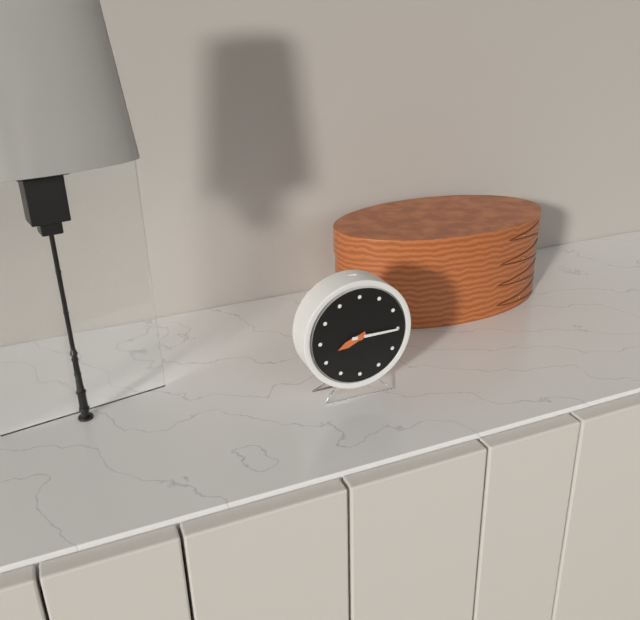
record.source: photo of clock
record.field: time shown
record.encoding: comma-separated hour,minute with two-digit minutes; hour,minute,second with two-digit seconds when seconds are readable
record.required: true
8,15
